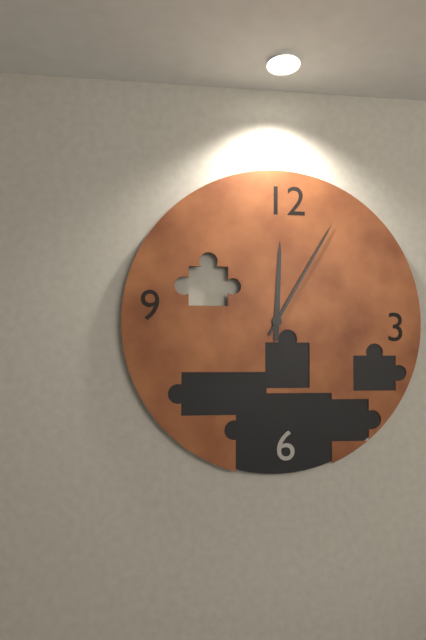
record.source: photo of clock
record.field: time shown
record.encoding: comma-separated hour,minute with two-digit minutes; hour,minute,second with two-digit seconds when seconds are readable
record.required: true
12,05
